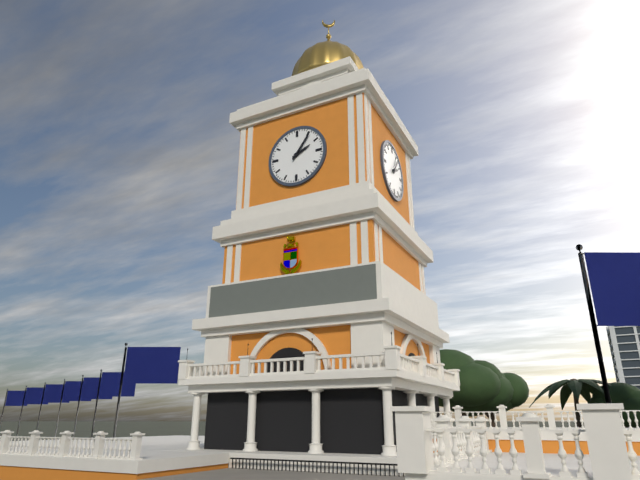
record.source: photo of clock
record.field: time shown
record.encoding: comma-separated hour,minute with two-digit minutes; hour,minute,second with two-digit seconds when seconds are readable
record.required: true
2,06
